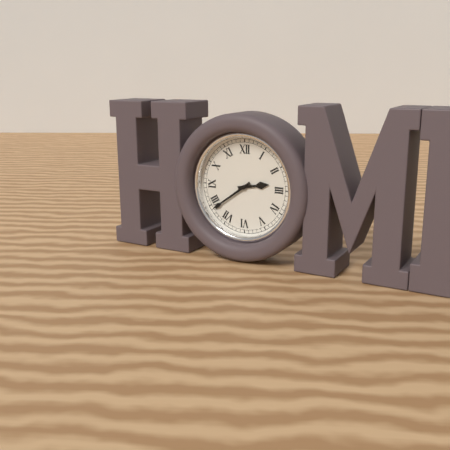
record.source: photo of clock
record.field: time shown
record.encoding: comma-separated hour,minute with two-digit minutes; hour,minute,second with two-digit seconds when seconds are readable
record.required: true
2,39
